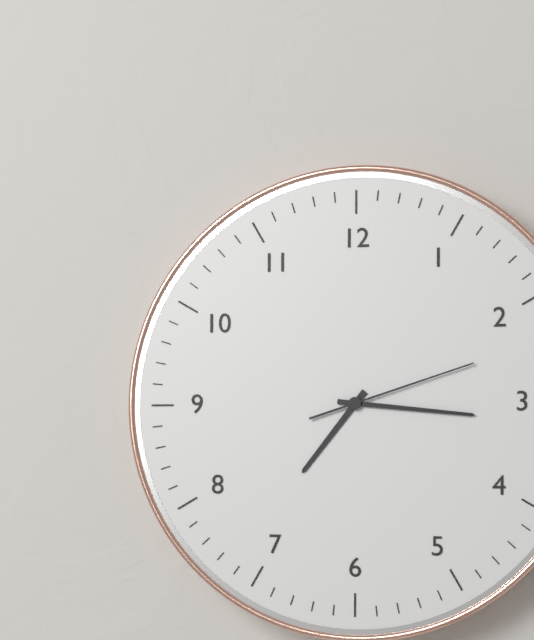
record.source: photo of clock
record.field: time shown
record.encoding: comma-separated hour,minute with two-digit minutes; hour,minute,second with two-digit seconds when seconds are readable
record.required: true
7,16,12
